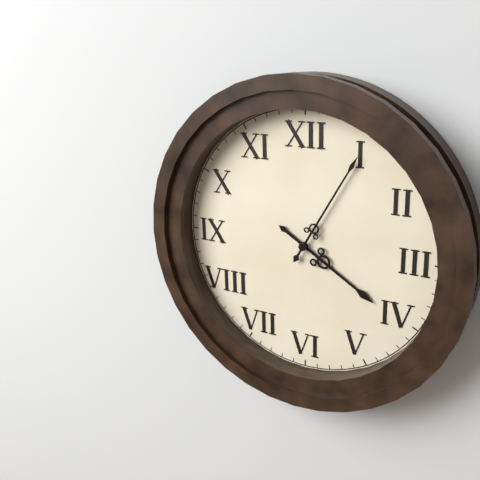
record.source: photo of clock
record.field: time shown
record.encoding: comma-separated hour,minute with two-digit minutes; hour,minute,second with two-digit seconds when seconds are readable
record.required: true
4,05
